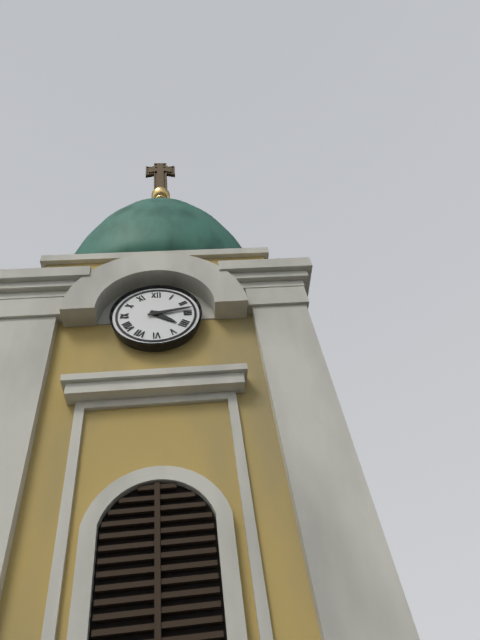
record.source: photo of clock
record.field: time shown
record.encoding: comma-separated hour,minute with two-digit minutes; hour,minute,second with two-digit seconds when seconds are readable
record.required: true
4,13
